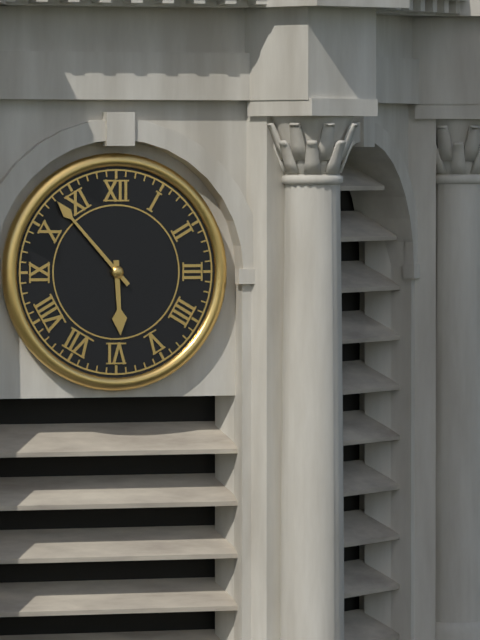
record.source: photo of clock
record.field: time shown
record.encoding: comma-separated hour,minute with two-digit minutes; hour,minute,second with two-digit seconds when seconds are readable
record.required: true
5,53
